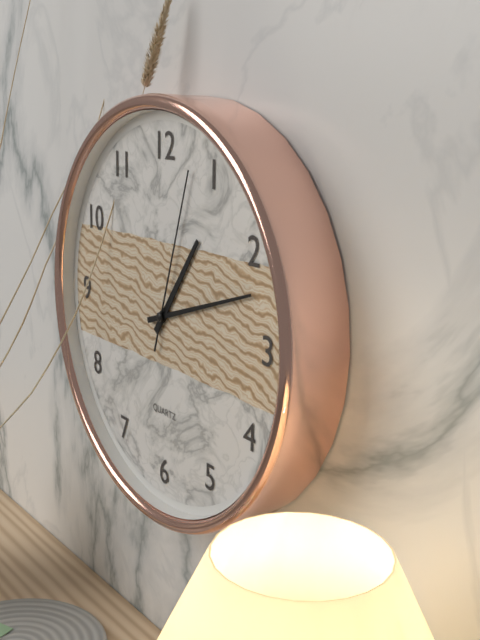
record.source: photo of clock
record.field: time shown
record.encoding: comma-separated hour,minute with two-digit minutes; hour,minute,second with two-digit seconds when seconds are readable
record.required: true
1,12,03
